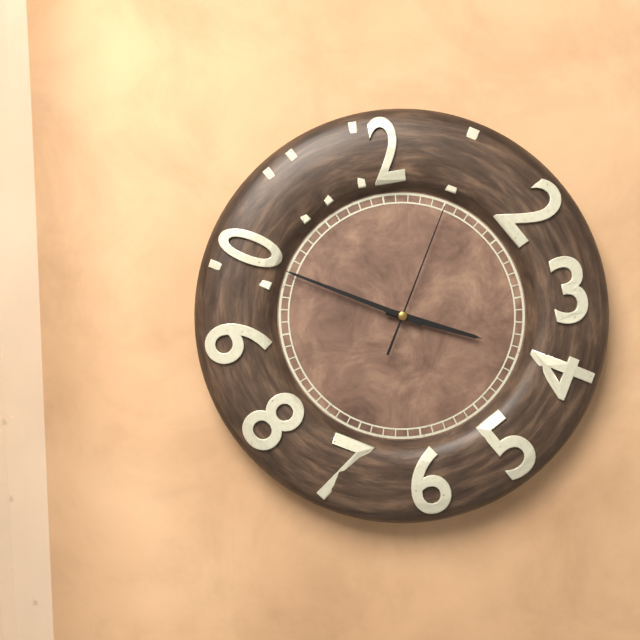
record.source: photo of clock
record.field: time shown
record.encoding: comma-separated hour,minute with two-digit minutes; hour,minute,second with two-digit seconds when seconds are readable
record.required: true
3,50,05
